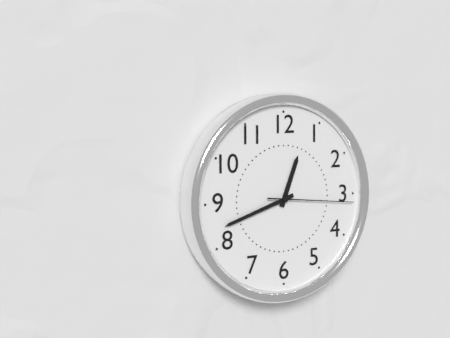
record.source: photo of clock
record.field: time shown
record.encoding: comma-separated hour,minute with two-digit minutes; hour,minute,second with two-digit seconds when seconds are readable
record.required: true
12,42,16
